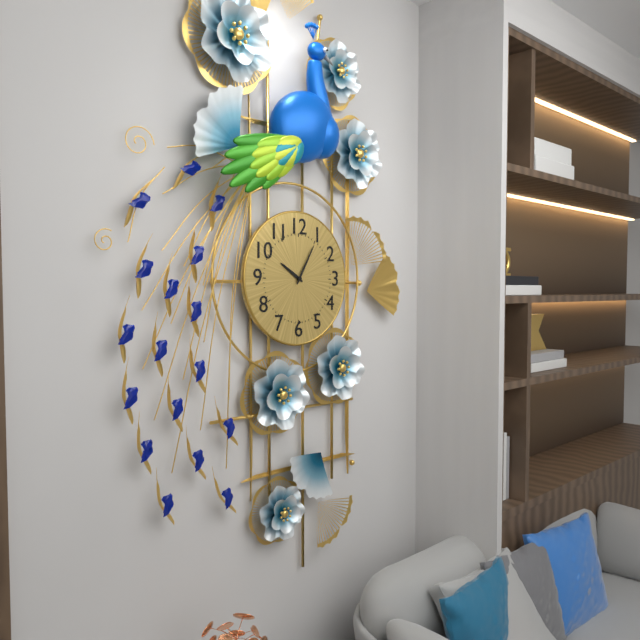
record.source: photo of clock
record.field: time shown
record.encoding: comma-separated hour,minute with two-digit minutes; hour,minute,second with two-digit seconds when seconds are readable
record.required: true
10,05
